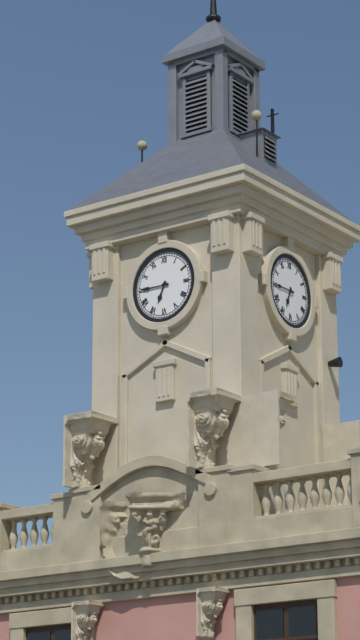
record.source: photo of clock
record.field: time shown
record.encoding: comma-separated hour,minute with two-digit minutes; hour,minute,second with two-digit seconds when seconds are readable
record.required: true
6,45
